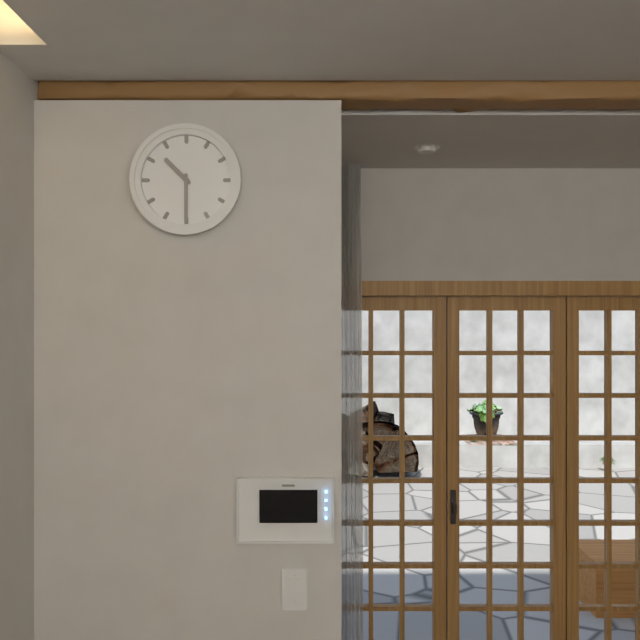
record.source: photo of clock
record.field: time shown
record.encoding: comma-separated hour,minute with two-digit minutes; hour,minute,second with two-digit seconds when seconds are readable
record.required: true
10,30
